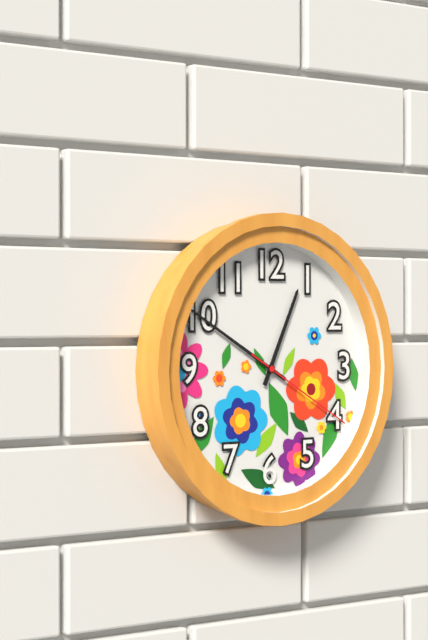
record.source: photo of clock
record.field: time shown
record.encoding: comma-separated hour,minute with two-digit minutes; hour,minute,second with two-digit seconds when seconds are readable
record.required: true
12,50,20
